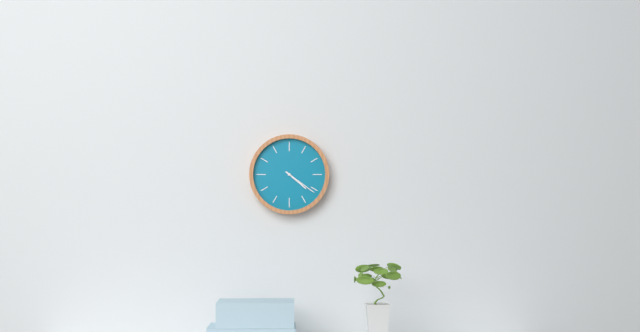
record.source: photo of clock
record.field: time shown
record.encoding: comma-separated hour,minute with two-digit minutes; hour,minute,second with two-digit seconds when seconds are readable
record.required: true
4,21
